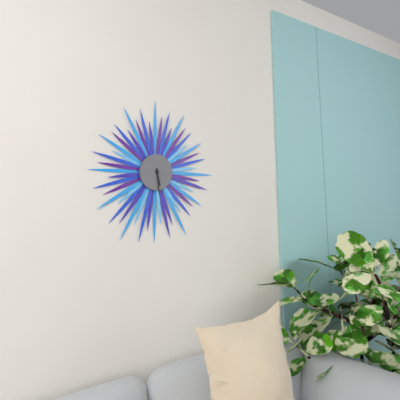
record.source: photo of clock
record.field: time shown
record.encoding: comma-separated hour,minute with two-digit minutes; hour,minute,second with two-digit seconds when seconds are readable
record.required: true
5,29
